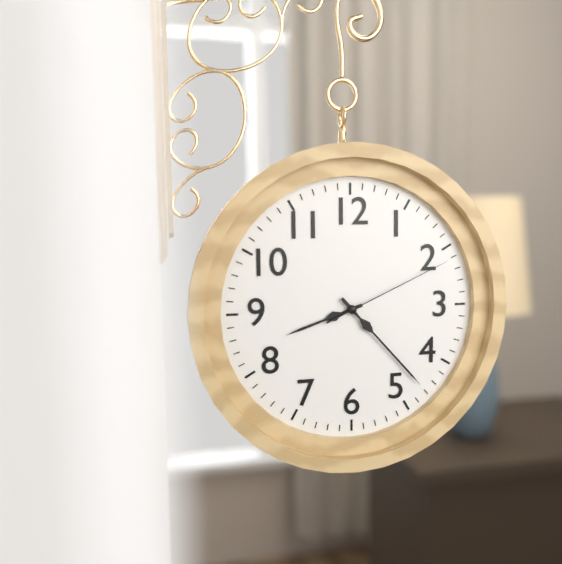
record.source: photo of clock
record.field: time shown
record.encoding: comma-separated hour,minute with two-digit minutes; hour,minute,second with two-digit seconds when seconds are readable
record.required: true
8,23,11
